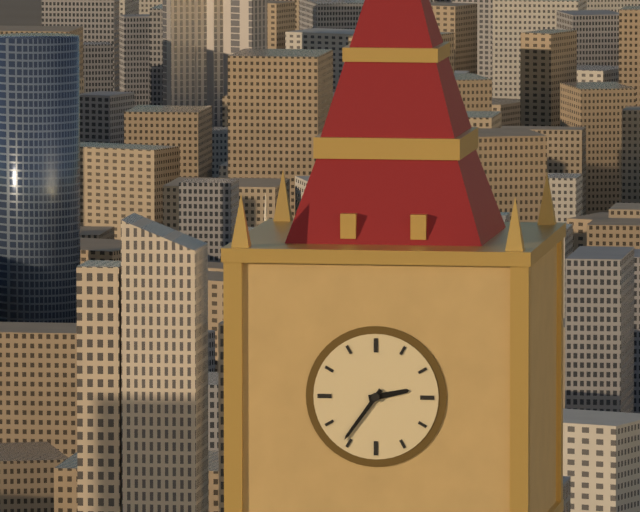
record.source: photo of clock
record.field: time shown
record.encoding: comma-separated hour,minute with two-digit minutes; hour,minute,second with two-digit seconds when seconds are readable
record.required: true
2,36
